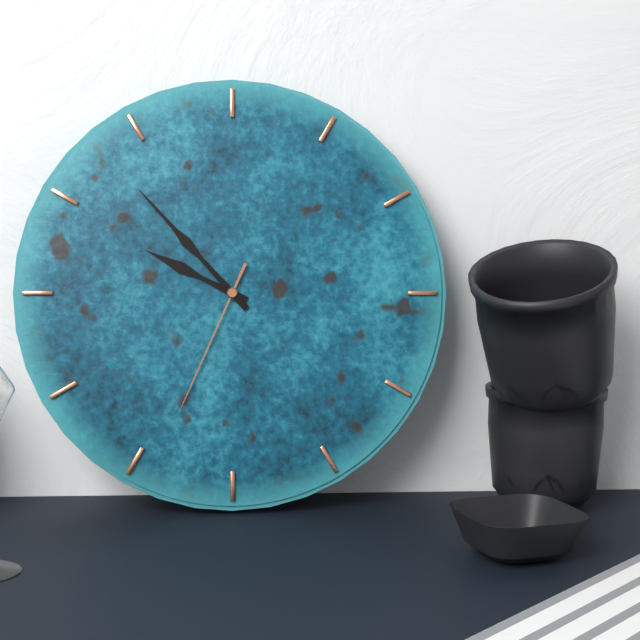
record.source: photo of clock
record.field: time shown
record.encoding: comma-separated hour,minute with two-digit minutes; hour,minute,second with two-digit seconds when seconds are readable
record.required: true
9,53,34
